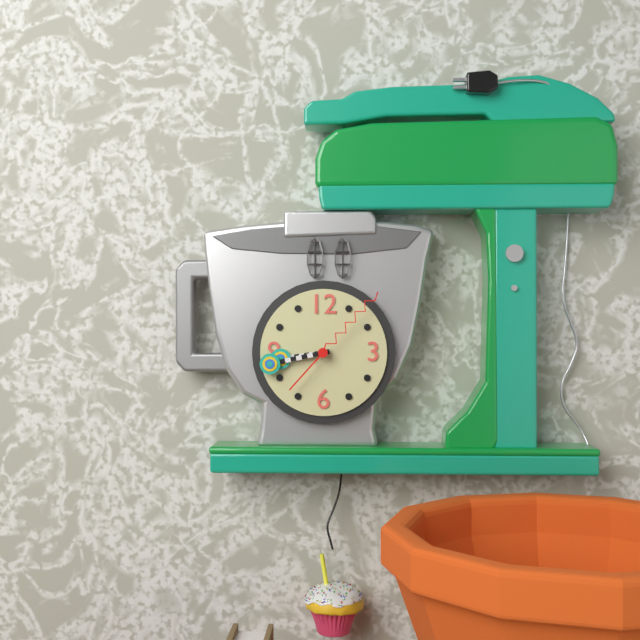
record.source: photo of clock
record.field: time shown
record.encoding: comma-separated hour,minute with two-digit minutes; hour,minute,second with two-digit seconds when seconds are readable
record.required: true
8,43,07
